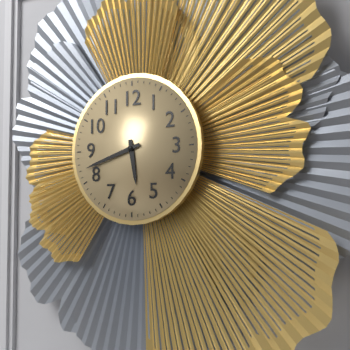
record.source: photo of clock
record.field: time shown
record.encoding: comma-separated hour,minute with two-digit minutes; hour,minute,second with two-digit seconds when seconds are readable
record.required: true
5,42
